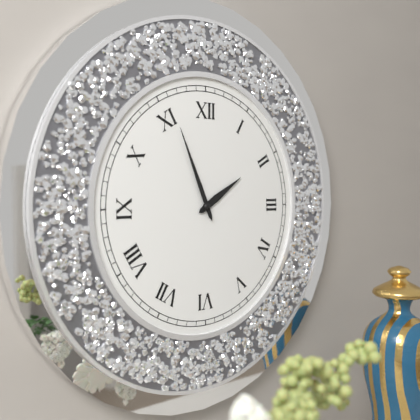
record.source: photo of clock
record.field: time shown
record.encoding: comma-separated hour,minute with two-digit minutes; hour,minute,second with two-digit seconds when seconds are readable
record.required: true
1,56
